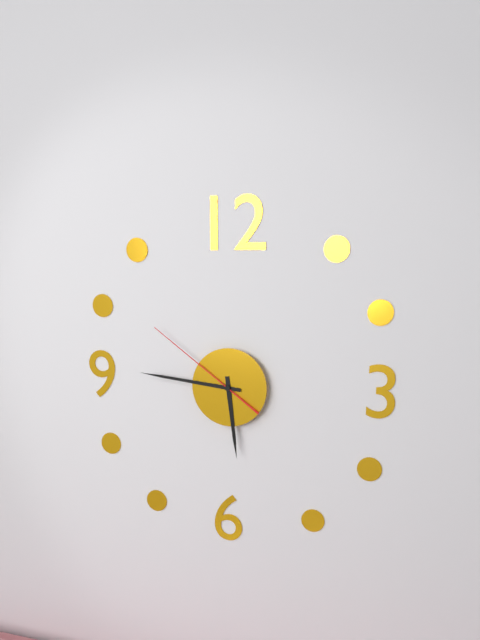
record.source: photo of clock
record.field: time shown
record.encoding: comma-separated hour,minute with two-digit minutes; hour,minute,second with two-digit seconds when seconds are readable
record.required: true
5,46,51
